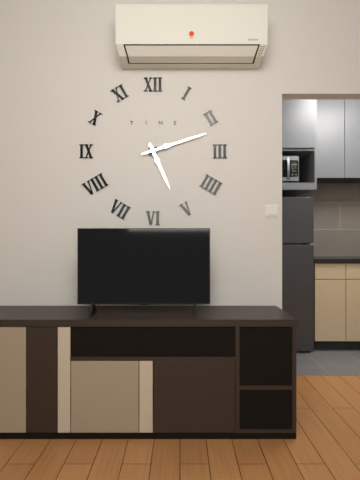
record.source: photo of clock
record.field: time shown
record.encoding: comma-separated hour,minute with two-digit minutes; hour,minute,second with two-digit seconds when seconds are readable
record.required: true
5,12
